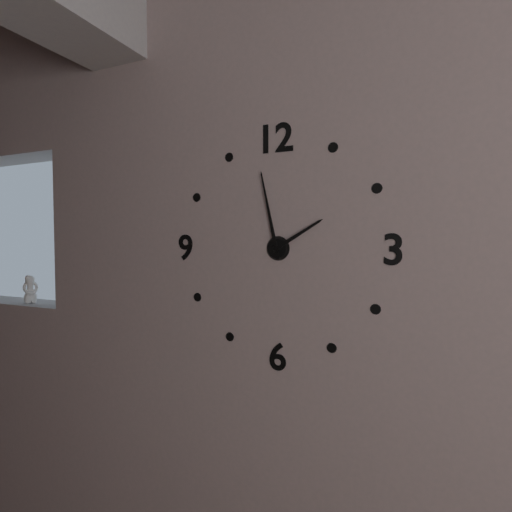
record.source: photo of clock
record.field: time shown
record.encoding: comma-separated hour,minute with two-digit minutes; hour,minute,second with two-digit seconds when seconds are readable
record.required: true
1,58
